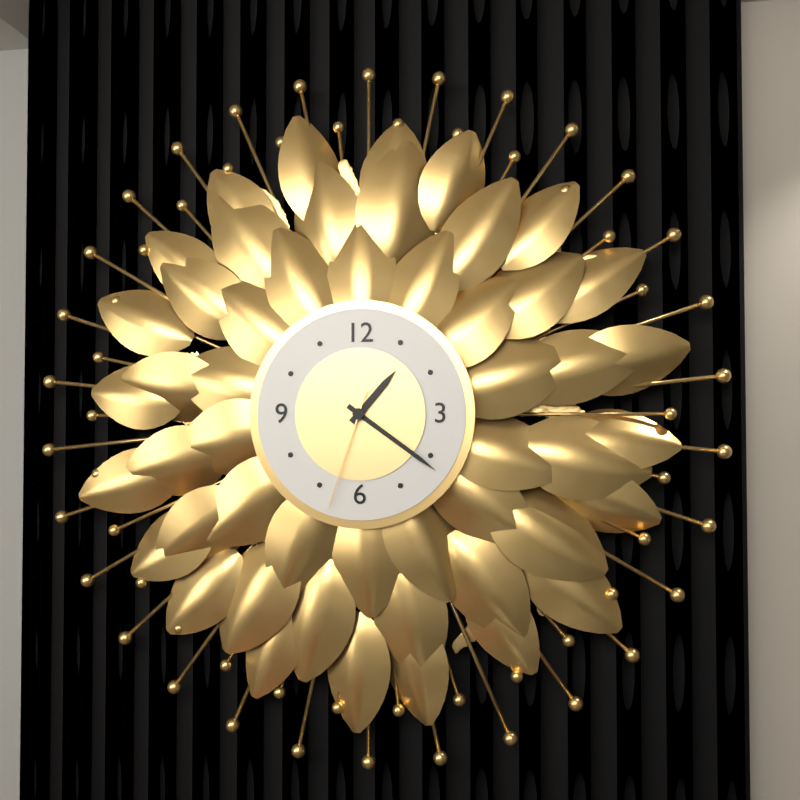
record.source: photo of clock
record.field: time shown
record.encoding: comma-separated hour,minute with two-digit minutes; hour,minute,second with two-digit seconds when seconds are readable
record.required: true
1,21,33
